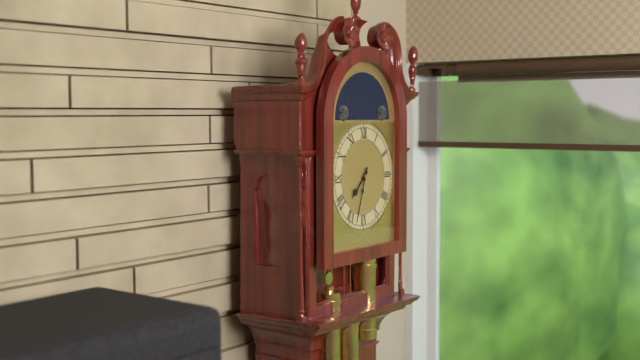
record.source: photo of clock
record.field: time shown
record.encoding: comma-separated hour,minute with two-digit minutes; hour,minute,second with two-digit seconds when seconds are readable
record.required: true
7,33
